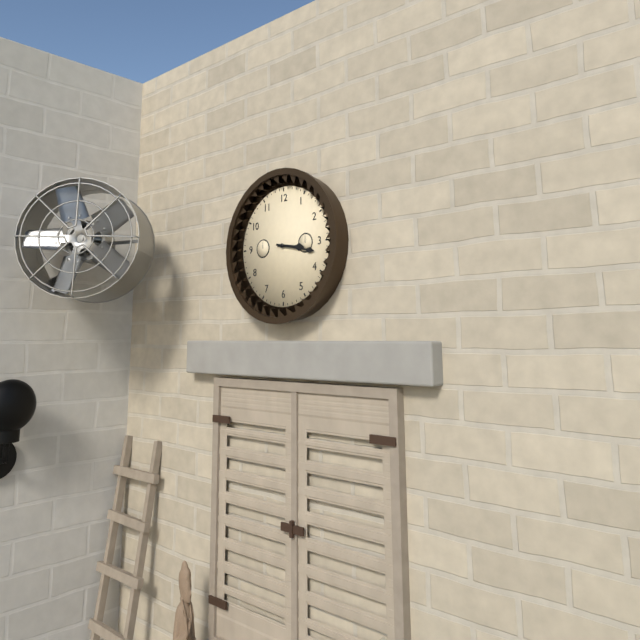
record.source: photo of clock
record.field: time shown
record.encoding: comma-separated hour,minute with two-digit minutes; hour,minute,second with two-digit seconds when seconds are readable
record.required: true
3,17
